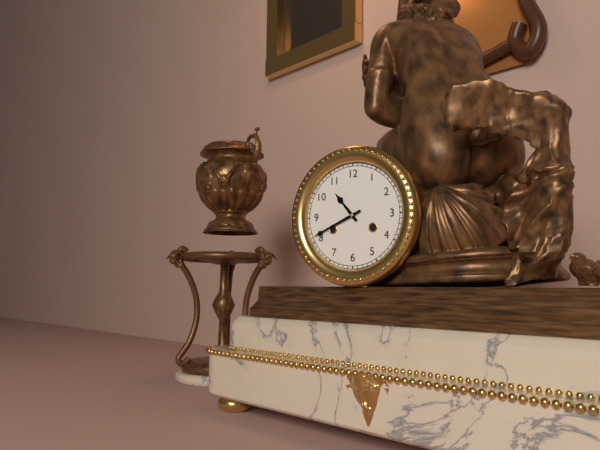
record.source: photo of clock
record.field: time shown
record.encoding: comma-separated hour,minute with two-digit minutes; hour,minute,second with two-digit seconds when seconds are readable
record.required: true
10,41
